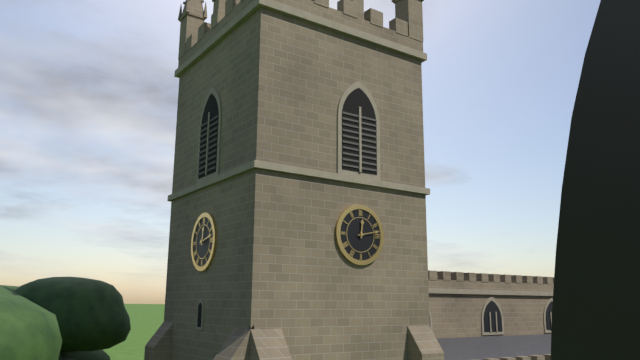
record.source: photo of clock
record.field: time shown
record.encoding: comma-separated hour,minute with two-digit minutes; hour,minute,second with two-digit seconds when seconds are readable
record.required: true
12,13
